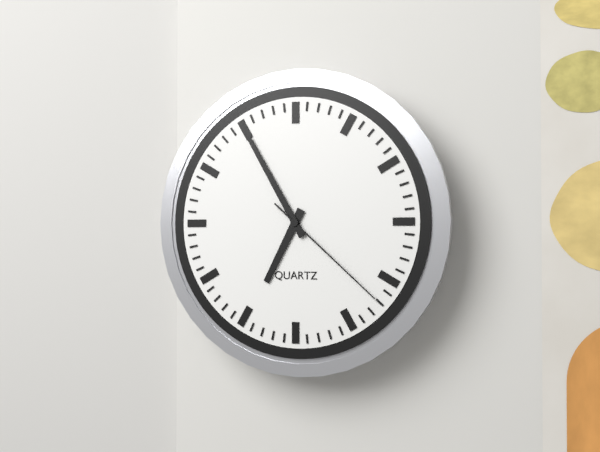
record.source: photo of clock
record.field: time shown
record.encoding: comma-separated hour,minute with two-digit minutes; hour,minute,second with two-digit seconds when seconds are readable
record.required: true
6,55,22
